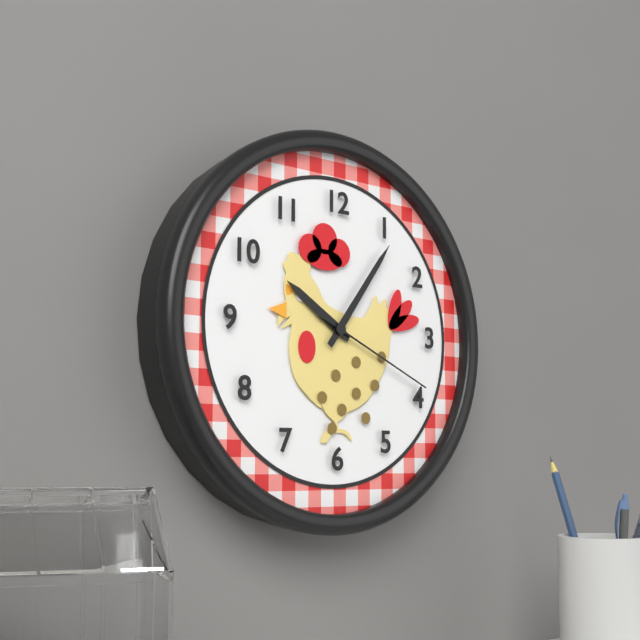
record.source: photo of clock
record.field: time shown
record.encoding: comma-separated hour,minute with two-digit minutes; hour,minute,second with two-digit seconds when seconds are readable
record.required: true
10,06,19
